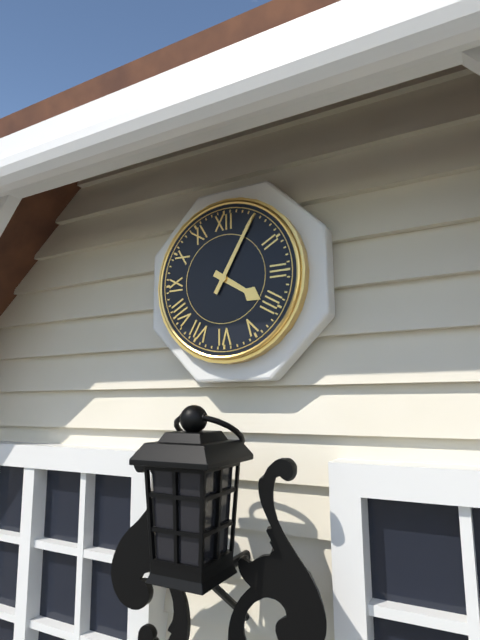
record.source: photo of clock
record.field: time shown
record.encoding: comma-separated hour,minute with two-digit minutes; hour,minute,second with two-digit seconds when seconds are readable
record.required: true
4,05
